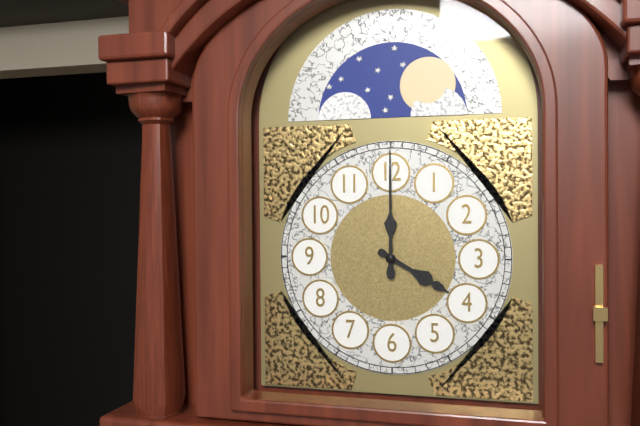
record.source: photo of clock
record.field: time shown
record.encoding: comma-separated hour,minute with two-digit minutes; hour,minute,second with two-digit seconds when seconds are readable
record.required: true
4,00
